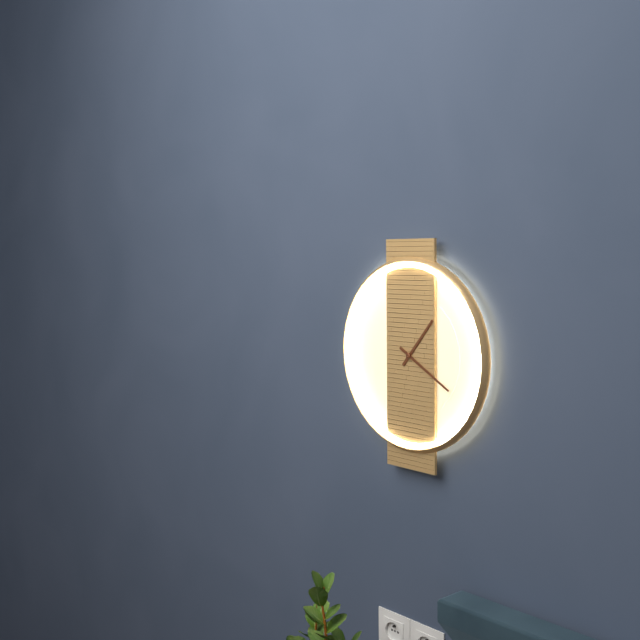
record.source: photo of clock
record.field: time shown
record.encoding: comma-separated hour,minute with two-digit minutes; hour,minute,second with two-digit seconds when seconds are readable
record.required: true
1,20
